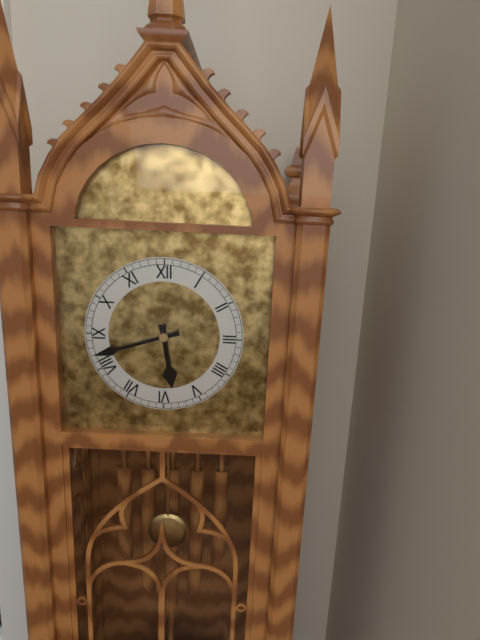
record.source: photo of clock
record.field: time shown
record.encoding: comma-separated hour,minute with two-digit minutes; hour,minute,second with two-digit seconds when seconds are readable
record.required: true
5,42
